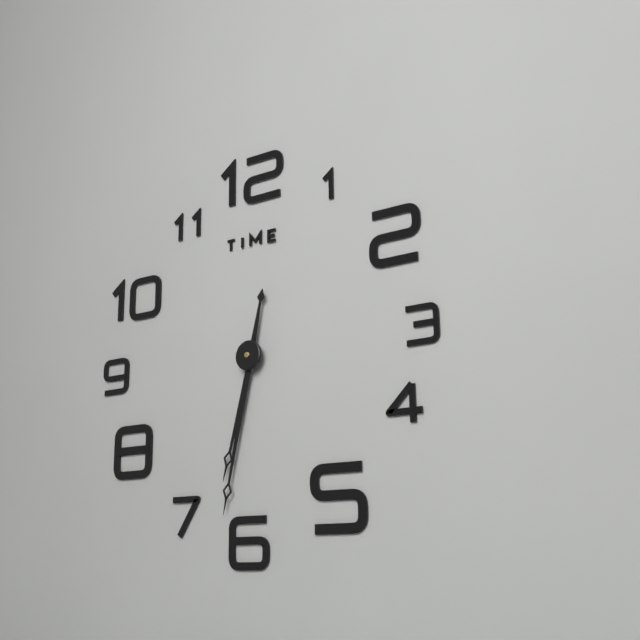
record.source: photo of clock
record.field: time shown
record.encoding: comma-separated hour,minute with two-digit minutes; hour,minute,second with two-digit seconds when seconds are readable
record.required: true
6,32
